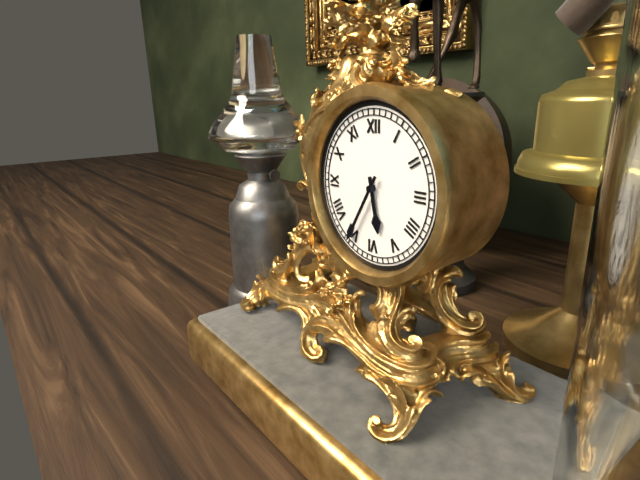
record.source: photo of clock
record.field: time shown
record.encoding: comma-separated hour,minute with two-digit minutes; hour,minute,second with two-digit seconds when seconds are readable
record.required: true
5,35
